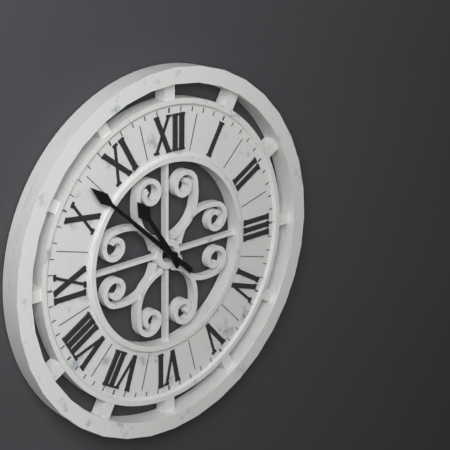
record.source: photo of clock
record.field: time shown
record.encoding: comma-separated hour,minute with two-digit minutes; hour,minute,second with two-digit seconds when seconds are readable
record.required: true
10,52
